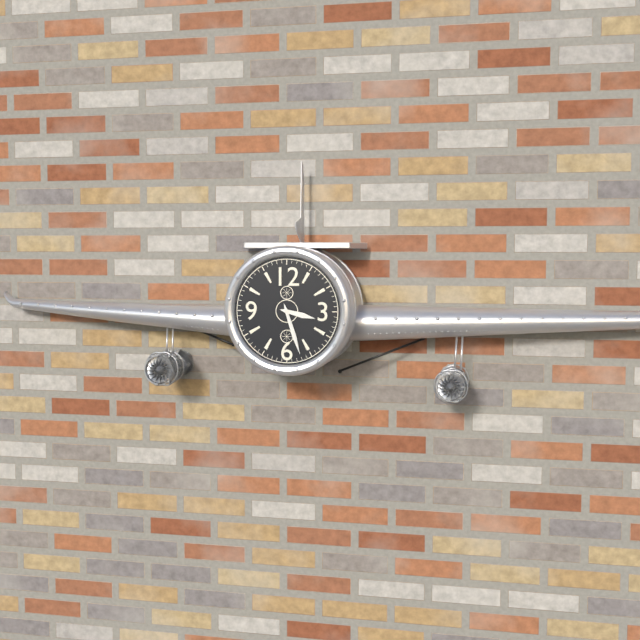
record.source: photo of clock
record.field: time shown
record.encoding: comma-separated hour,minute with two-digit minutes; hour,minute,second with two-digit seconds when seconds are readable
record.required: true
3,27
